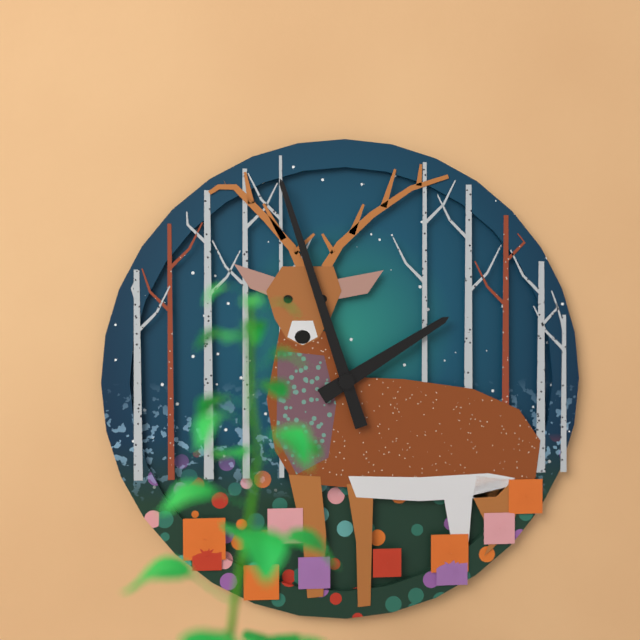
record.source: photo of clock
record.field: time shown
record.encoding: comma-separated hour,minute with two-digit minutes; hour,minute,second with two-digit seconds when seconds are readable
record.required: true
1,57
